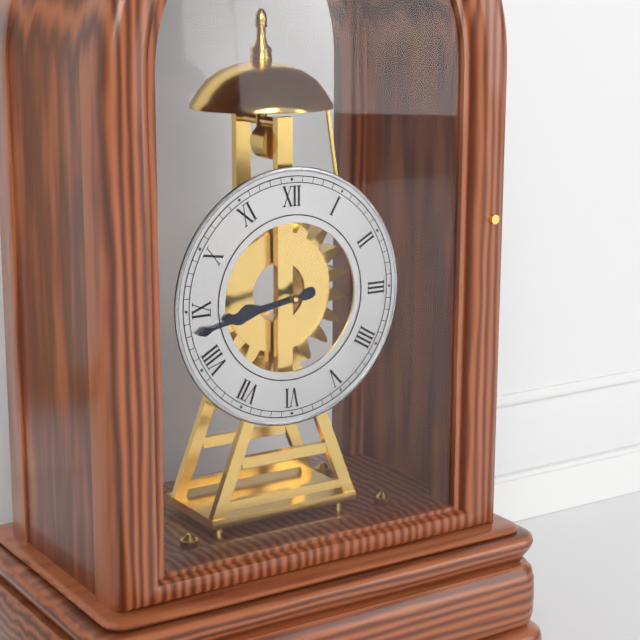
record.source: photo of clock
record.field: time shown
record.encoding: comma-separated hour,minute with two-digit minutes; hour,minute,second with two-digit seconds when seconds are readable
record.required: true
8,43
